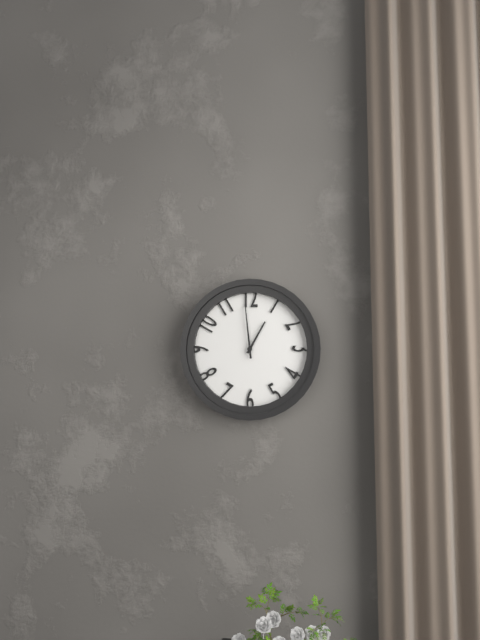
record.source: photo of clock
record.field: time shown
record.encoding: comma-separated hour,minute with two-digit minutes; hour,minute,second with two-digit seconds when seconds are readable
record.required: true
12,59
